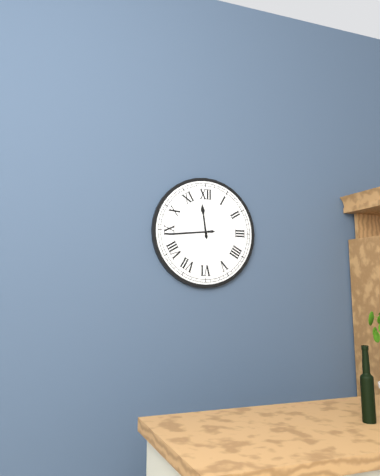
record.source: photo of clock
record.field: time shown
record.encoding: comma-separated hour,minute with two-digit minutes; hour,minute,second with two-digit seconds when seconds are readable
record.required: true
11,44
